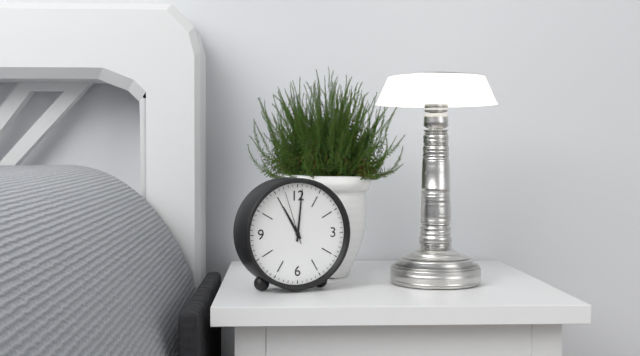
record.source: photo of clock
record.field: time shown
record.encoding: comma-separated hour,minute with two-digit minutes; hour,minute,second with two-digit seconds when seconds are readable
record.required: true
11,01,57
